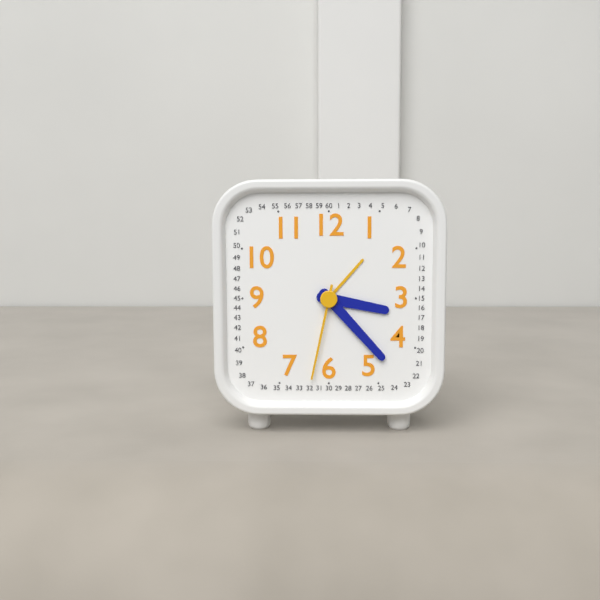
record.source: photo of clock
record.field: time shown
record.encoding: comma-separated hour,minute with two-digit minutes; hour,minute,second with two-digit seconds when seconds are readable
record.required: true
3,23,32
